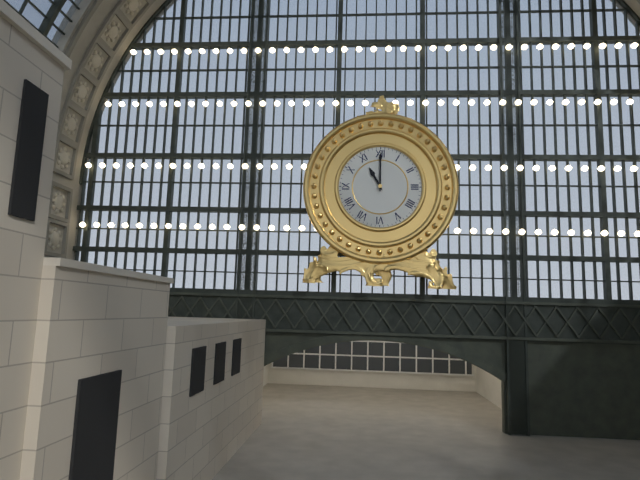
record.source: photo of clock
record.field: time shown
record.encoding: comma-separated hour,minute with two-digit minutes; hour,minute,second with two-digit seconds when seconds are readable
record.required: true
11,00
